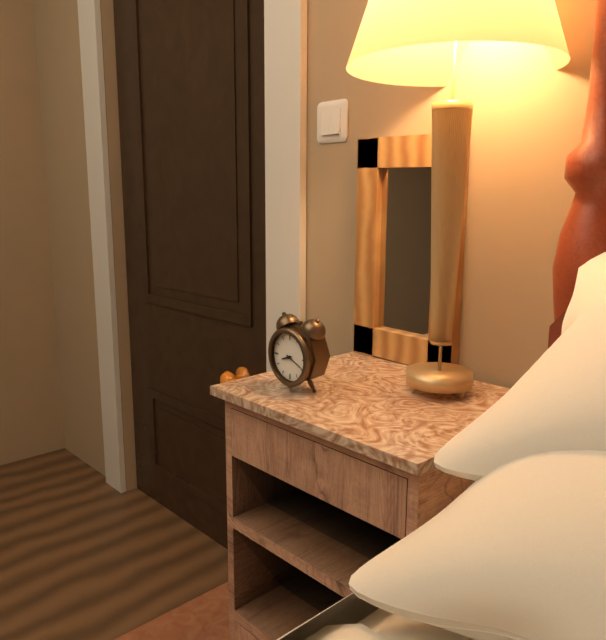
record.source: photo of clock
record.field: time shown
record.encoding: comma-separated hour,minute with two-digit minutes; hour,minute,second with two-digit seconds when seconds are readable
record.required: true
8,19
